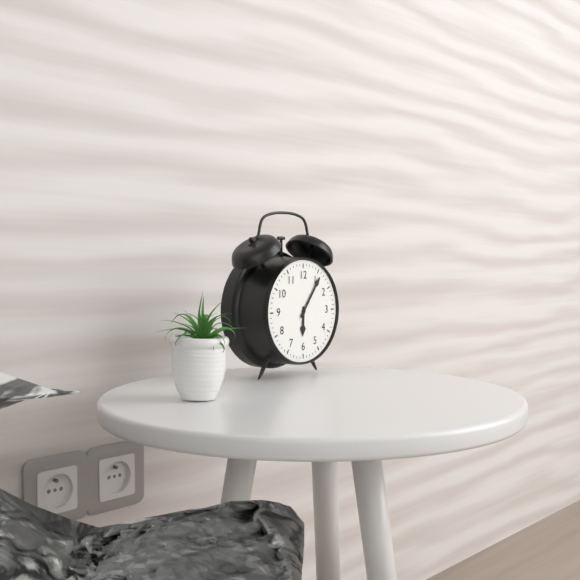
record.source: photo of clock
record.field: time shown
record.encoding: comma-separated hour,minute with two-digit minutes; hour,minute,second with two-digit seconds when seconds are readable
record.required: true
6,06
